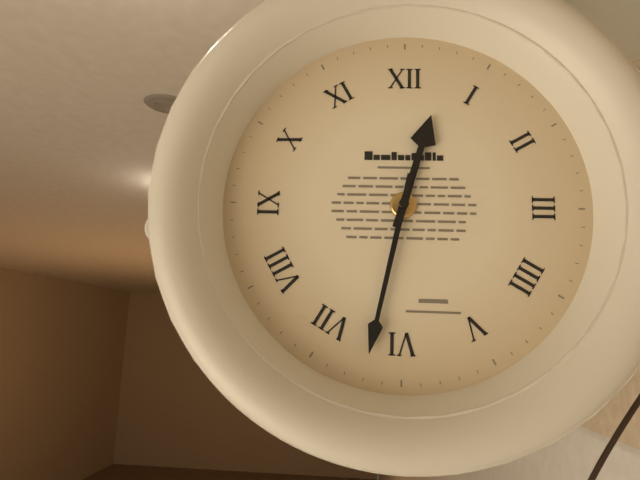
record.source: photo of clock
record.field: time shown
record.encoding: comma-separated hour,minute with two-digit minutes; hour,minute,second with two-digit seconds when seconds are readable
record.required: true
12,32
